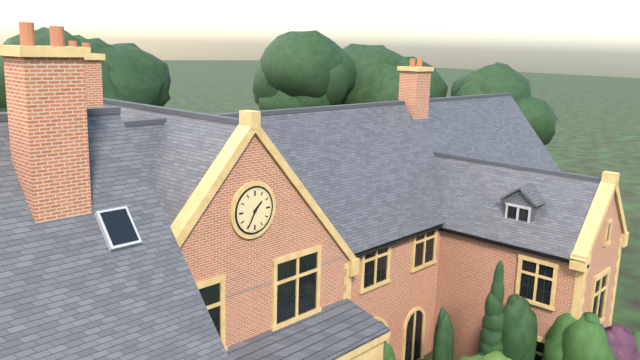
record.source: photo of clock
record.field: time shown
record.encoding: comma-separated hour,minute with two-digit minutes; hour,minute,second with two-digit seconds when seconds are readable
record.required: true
1,35
